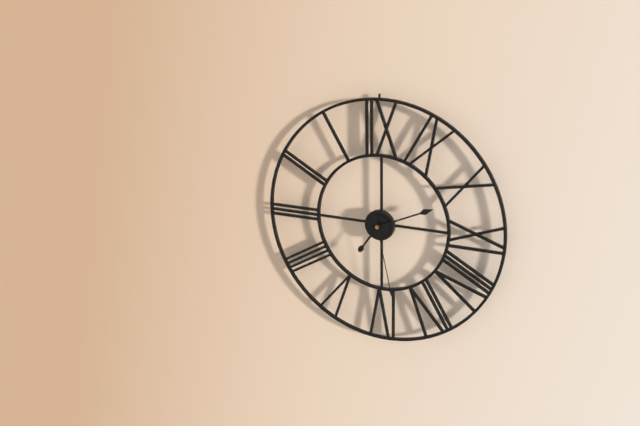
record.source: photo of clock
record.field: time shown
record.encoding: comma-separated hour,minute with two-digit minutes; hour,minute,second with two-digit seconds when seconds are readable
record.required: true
7,11,28
